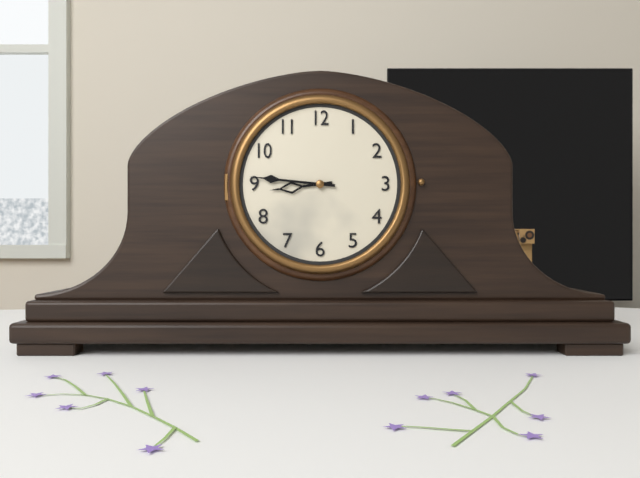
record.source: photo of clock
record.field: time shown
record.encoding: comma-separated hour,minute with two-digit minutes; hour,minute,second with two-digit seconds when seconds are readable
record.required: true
8,46
